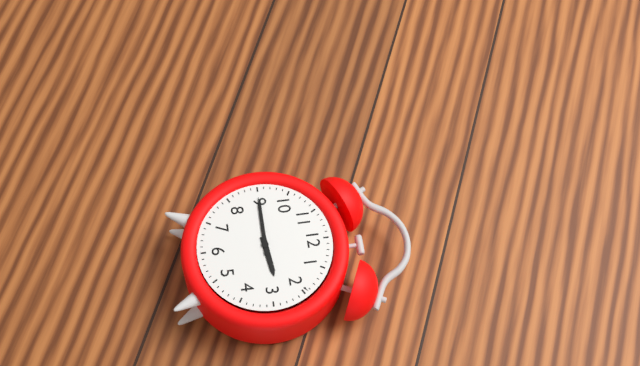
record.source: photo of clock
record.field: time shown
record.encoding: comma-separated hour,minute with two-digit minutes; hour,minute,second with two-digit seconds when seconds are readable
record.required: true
2,45
